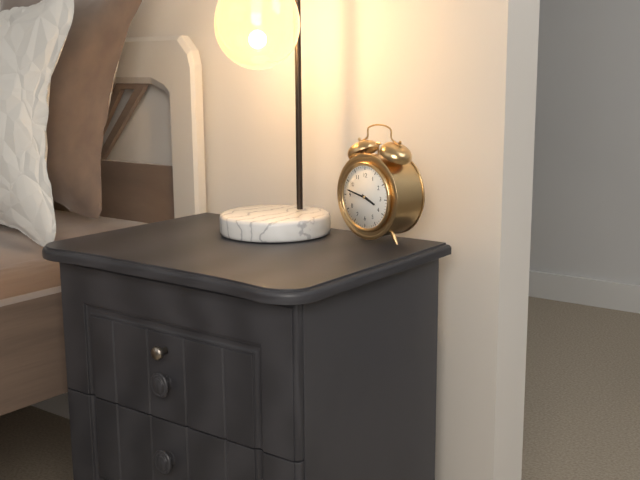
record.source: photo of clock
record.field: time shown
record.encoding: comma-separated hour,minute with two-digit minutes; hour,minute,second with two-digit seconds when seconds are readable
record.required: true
3,47
